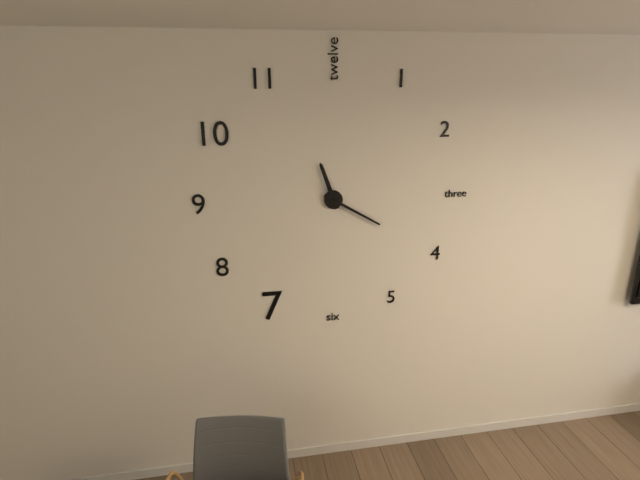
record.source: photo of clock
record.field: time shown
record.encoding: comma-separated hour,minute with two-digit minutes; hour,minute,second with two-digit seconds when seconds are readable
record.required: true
11,20
